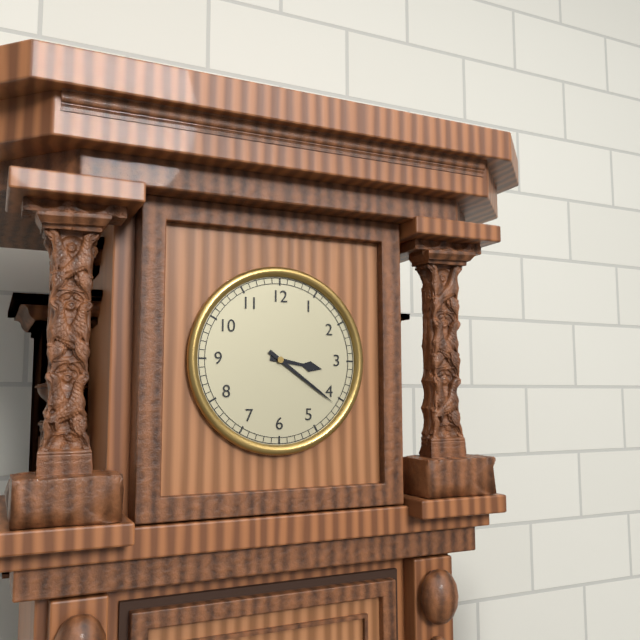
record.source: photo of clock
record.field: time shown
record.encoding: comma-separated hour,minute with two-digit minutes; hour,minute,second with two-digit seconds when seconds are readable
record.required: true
3,21
